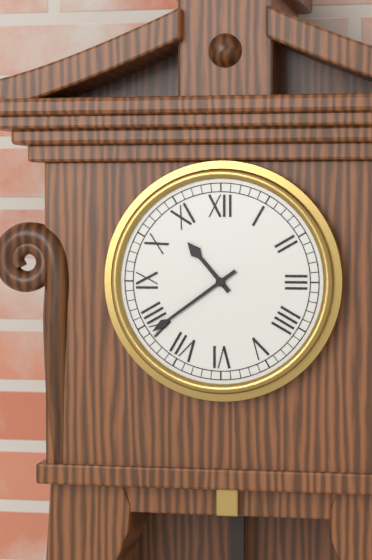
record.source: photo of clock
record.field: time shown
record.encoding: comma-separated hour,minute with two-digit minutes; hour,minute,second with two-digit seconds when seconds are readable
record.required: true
10,39
